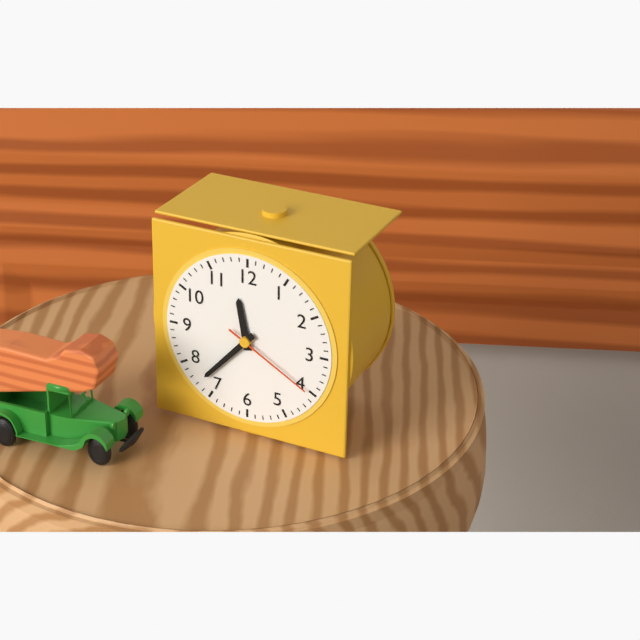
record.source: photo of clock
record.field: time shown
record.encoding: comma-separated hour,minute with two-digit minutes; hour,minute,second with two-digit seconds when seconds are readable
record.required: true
11,37,20
